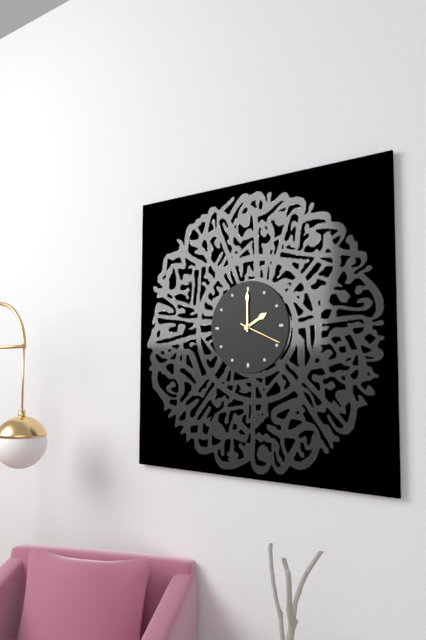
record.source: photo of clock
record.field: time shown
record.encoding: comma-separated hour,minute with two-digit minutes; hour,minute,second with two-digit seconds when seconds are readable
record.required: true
2,00
